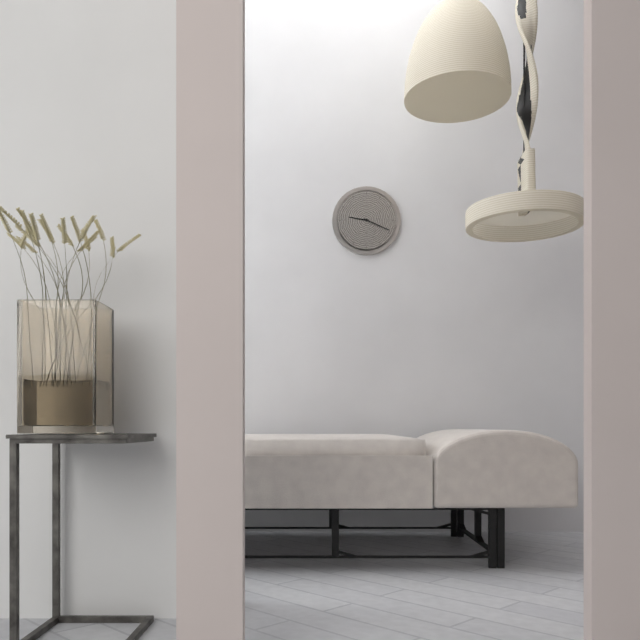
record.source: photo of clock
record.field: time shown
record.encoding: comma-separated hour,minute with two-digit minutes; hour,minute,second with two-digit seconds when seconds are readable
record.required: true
9,19
